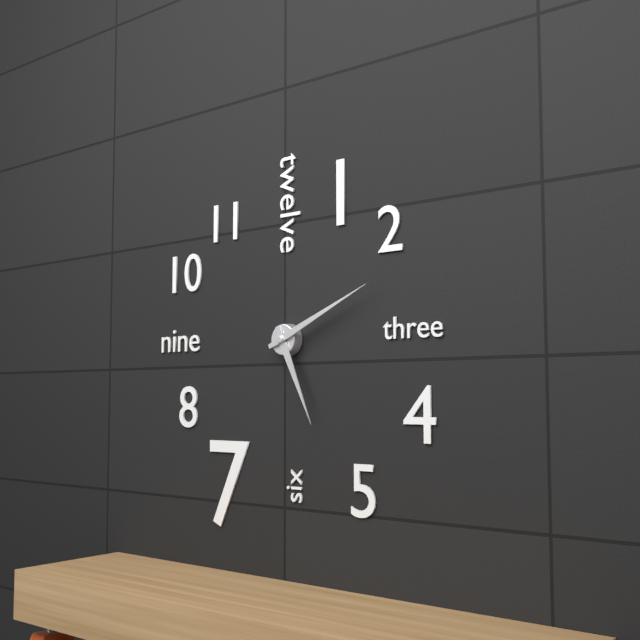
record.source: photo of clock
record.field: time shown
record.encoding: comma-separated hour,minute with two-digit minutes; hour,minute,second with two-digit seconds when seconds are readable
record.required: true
5,11
